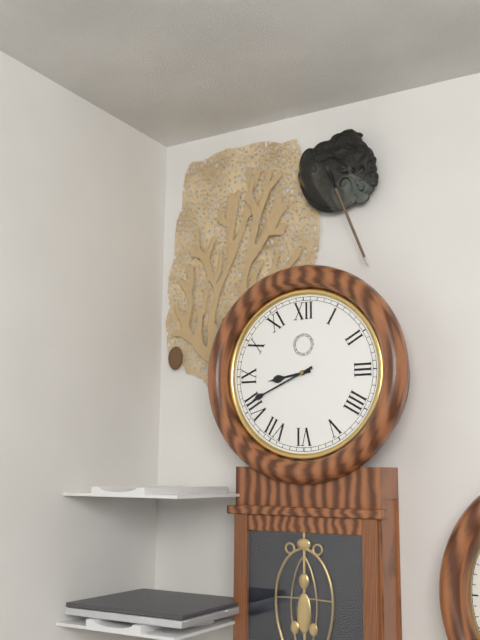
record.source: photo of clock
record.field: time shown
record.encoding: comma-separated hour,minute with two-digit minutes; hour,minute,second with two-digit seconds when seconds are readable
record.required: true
8,41
